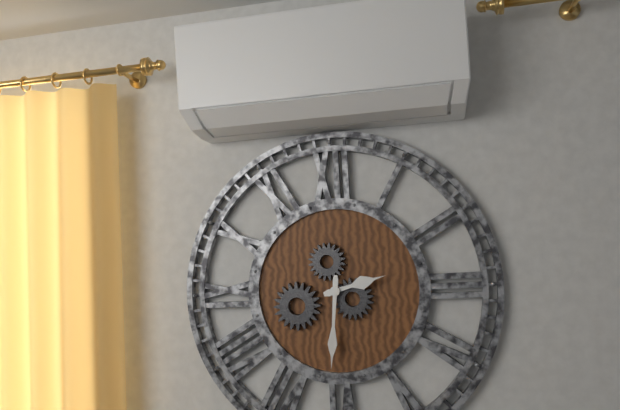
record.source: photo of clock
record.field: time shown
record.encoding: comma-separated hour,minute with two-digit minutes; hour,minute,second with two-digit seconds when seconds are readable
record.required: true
2,31
